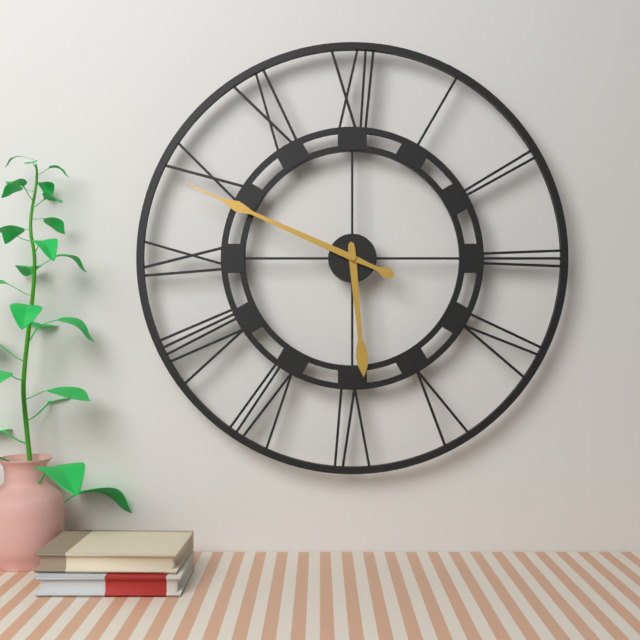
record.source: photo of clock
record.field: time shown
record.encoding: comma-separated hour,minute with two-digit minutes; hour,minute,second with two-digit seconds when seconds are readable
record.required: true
5,49
